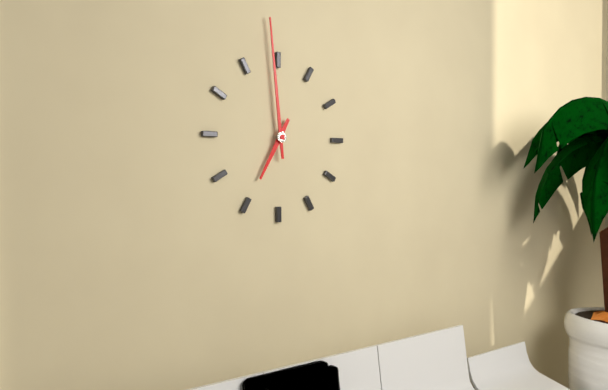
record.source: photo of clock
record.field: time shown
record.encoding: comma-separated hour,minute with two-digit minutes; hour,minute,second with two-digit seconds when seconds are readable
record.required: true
6,59
